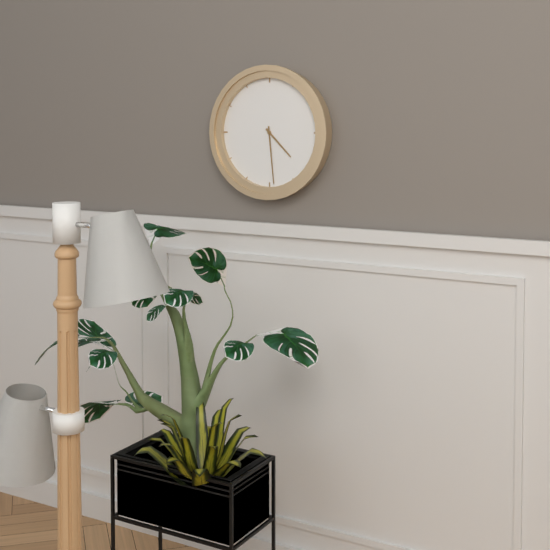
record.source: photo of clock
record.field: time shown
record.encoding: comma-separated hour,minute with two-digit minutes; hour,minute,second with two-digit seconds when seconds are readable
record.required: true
4,29
